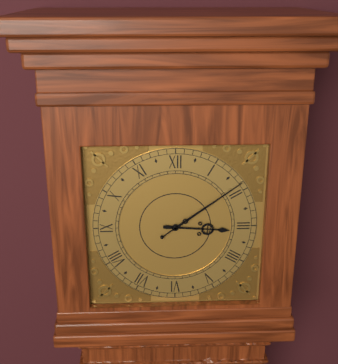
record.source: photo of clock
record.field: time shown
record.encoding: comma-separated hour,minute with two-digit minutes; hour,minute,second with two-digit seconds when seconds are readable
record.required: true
3,09
